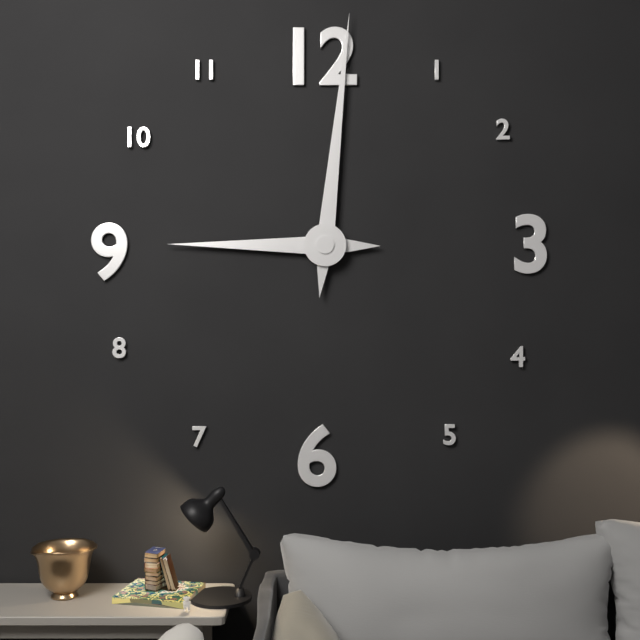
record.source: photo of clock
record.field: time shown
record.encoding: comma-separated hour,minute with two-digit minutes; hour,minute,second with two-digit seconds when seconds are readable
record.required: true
9,01
